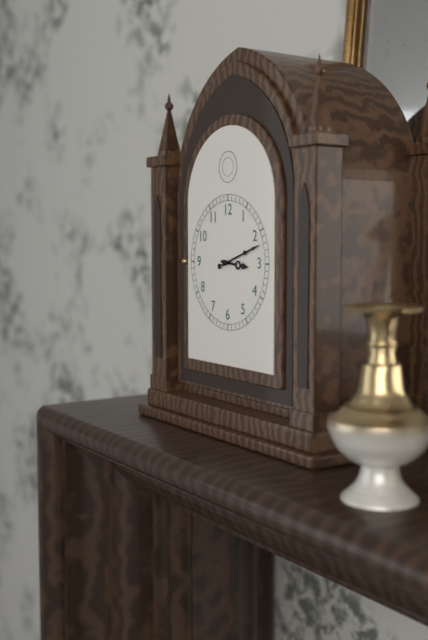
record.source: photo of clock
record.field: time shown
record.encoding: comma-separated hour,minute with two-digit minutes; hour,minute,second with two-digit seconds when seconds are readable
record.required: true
3,12
